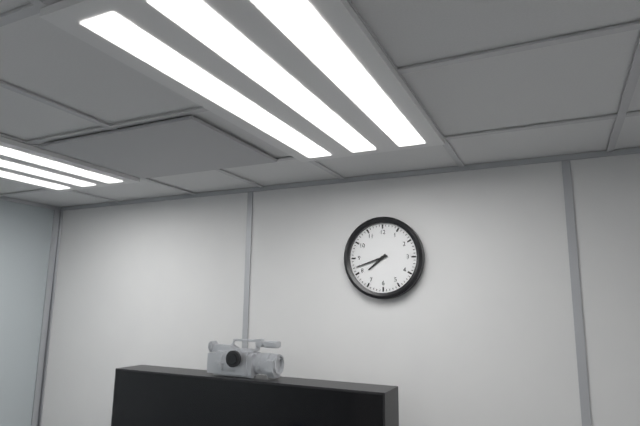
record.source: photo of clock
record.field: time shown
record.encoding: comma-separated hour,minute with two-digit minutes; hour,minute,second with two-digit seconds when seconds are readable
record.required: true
7,42
